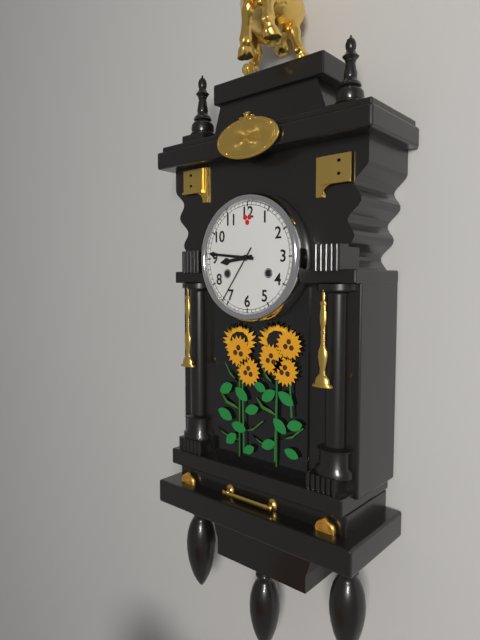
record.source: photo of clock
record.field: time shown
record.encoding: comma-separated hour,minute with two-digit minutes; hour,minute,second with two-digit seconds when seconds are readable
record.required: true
8,46,36
